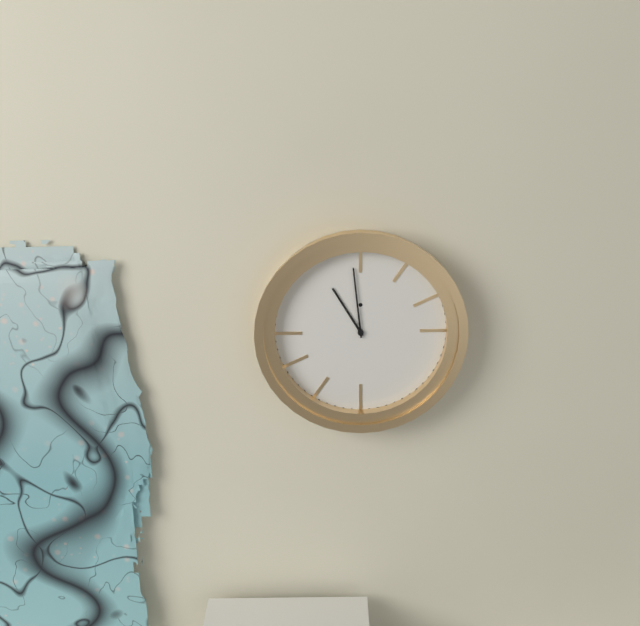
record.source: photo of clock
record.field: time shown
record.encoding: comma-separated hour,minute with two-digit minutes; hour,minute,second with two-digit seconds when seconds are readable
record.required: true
10,59
